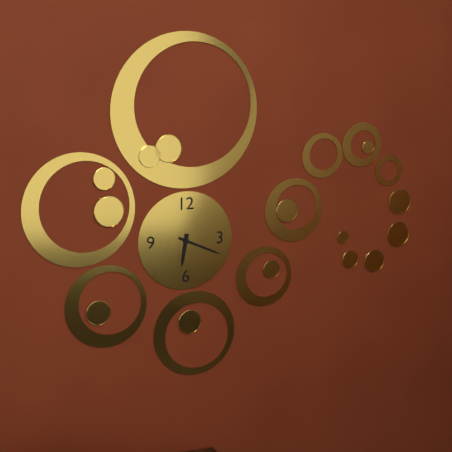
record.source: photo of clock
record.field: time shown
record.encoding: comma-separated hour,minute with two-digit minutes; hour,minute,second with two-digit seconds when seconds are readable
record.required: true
6,19
